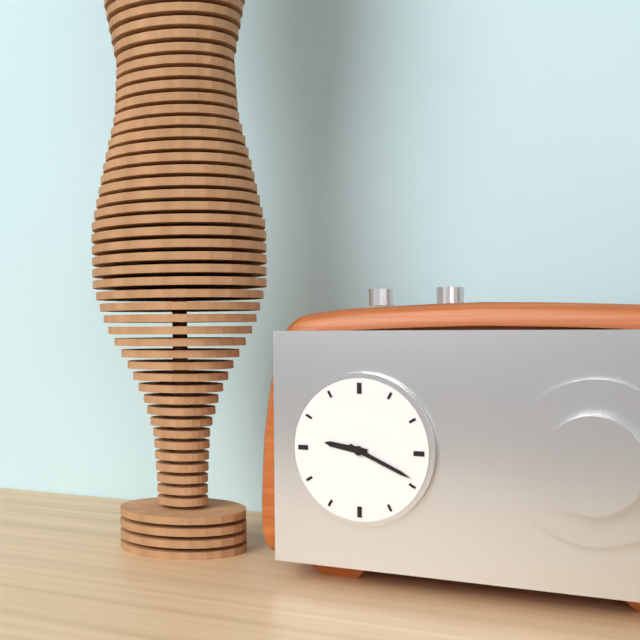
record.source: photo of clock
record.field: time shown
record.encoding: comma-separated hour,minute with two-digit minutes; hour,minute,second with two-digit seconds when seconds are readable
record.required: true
9,19
